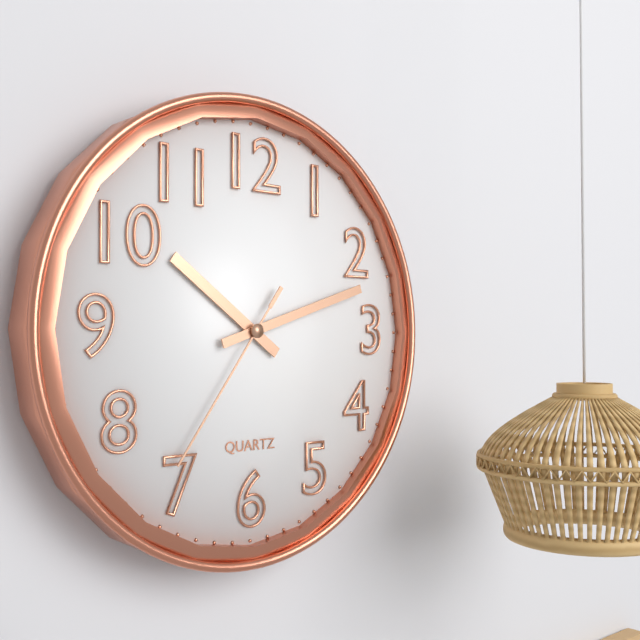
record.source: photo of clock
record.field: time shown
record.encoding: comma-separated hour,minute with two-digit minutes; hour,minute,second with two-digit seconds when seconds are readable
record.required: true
10,12,36
